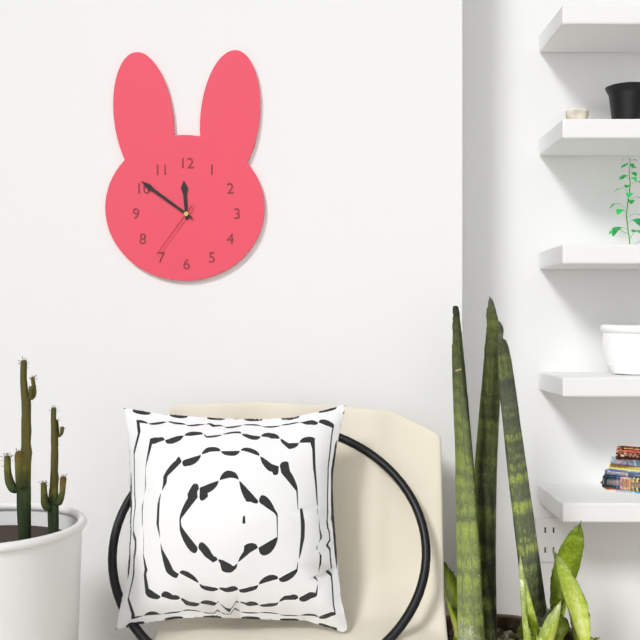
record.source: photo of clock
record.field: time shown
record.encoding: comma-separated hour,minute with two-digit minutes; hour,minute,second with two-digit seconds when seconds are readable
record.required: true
11,51,36
